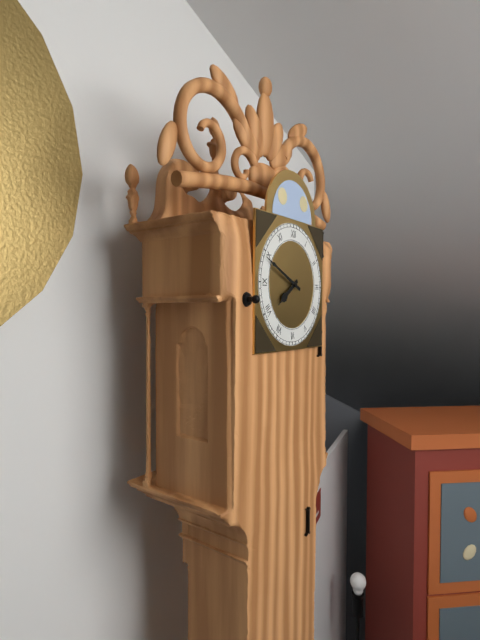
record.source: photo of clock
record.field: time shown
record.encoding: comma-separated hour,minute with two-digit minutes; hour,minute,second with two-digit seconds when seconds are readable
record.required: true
7,49
